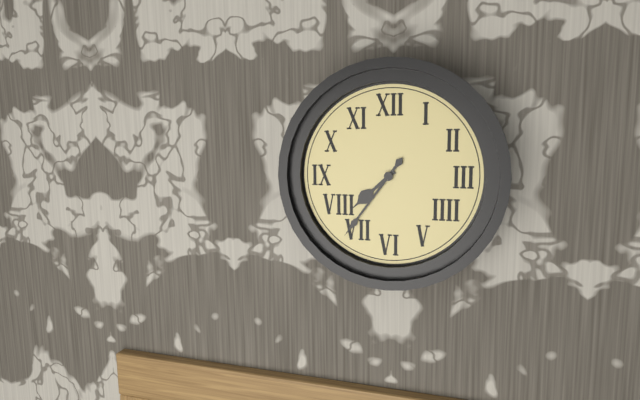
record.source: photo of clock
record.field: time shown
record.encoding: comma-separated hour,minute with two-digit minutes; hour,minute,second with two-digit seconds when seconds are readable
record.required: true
7,36
